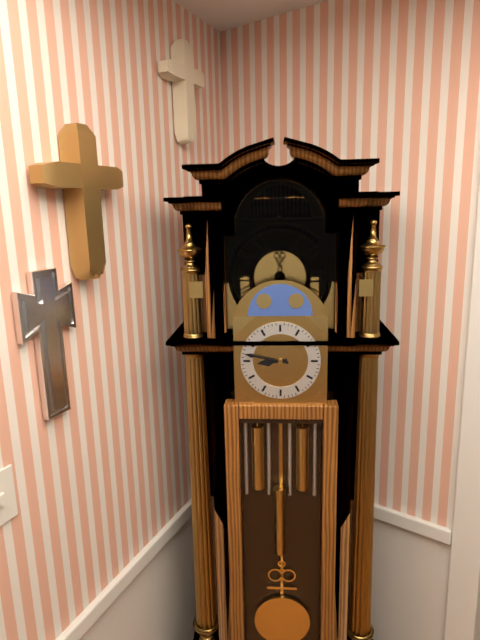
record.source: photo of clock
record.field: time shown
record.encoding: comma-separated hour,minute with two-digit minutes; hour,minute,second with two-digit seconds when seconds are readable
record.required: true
8,47
